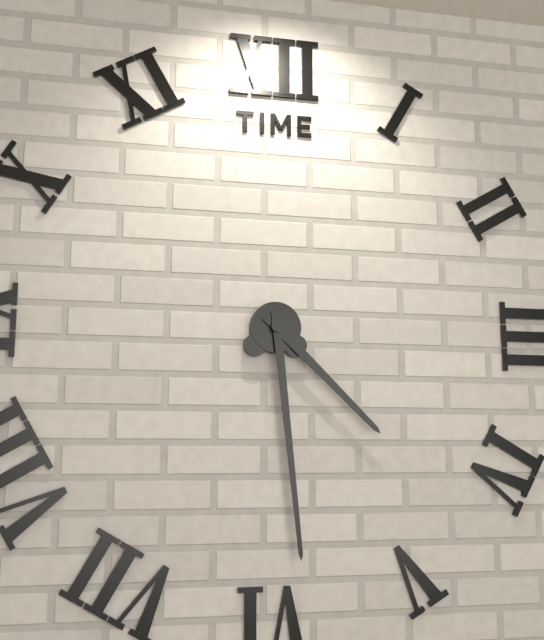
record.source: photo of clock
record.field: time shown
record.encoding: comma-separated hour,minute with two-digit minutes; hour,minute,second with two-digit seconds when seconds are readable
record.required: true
4,29
